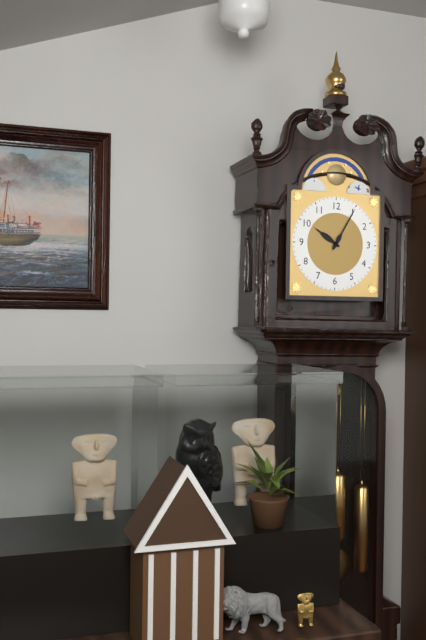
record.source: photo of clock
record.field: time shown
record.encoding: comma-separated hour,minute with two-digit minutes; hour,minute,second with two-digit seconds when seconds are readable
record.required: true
10,05
